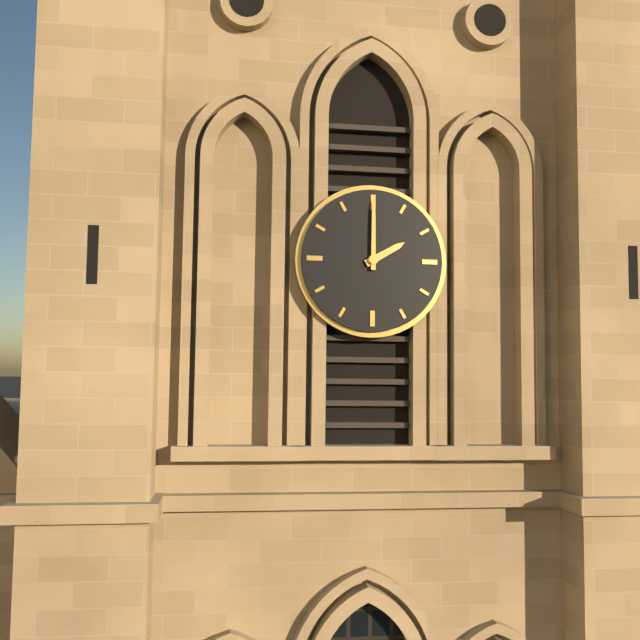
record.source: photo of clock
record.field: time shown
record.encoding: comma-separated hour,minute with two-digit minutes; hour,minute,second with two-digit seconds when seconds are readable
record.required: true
2,00
